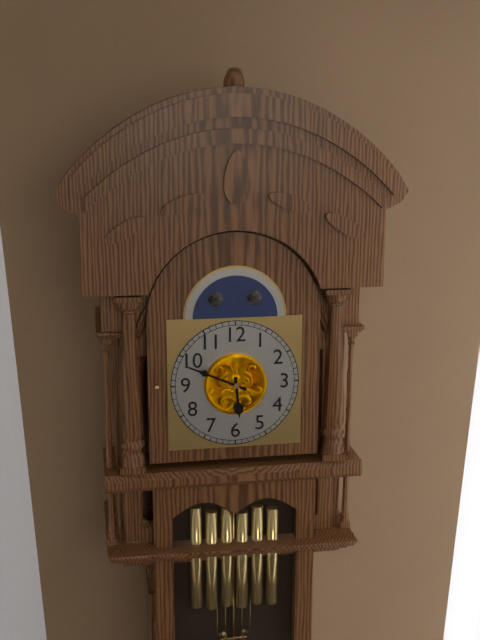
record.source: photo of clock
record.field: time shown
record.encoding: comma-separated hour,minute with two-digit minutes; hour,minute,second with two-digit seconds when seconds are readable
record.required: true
5,49
